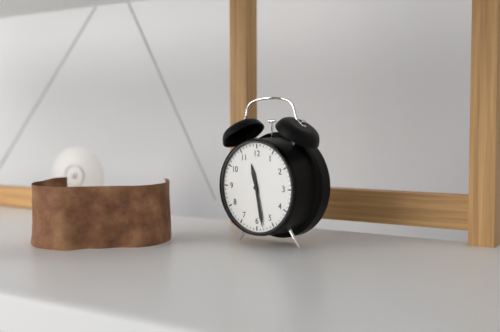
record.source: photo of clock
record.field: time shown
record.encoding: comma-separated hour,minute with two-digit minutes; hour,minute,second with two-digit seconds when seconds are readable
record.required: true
11,28
